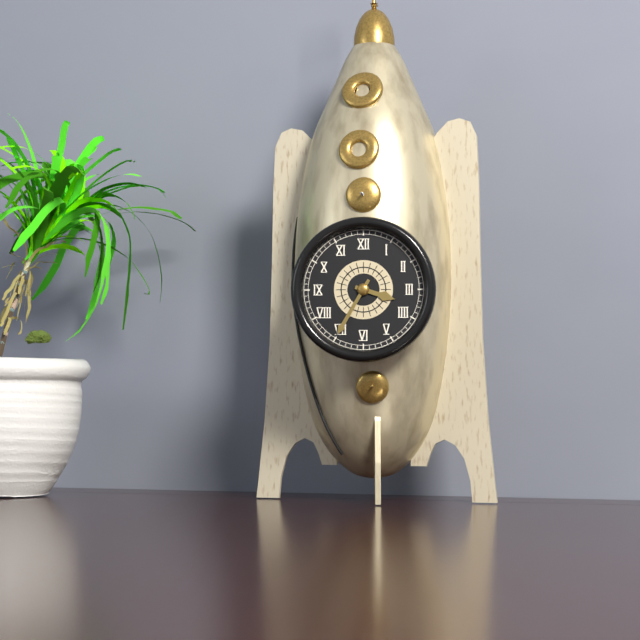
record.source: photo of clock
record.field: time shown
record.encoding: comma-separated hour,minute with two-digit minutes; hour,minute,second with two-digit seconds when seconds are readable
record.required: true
3,35
